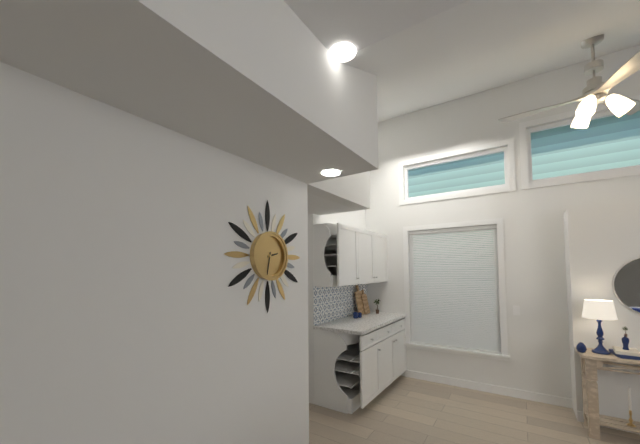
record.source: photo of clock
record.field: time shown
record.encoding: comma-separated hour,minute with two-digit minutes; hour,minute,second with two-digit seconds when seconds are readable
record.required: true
2,32
